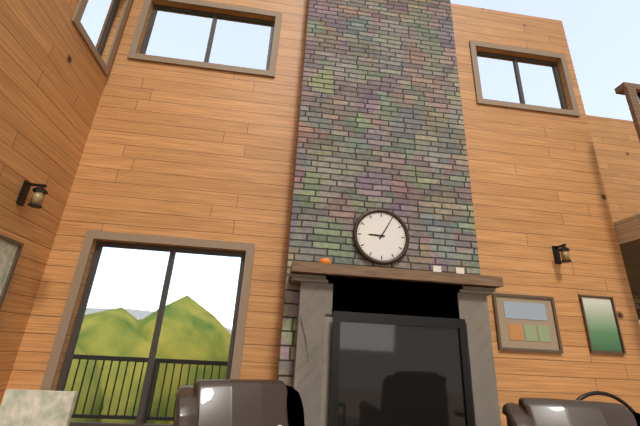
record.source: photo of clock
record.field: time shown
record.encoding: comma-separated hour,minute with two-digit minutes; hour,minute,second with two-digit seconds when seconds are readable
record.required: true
9,05
